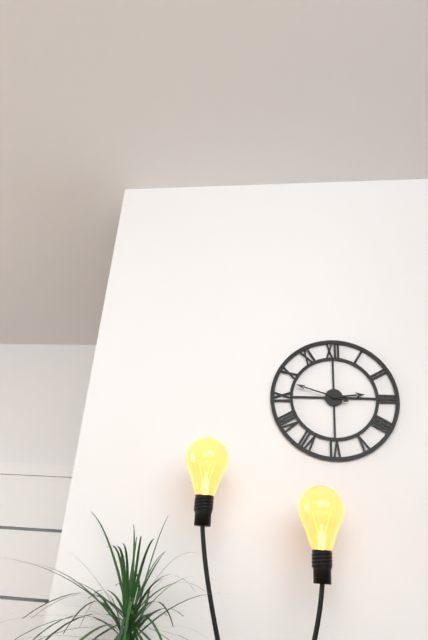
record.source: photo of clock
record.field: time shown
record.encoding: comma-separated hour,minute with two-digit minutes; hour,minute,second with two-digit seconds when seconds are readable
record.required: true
2,48
